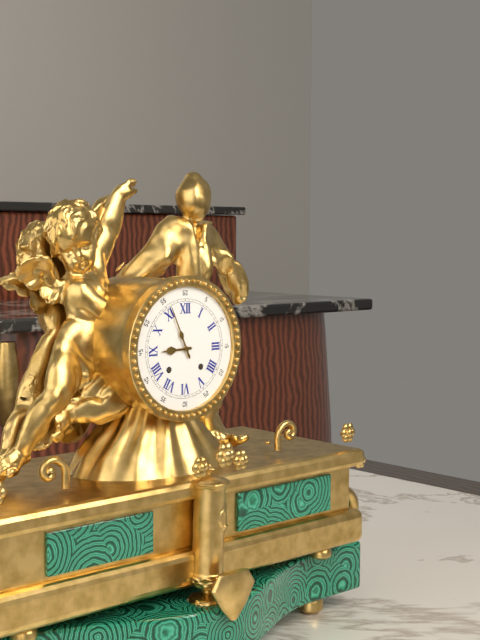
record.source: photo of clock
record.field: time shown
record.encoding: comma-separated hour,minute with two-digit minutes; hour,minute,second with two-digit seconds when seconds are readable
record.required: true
8,56
